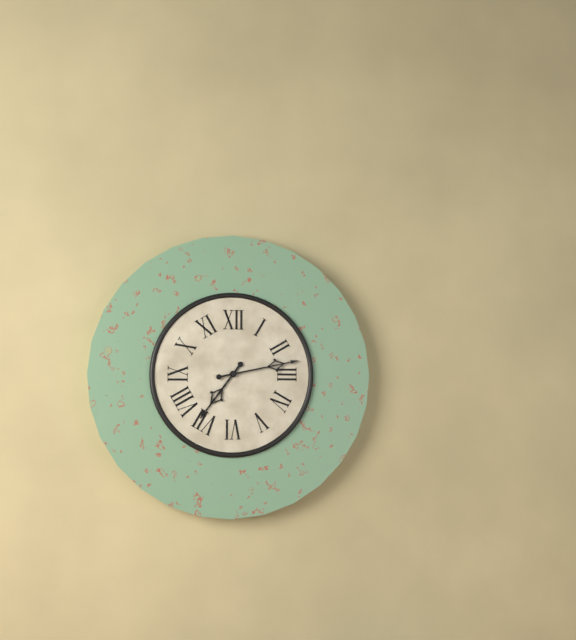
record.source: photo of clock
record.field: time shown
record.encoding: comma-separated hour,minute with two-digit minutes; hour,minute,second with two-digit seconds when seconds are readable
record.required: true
7,13
